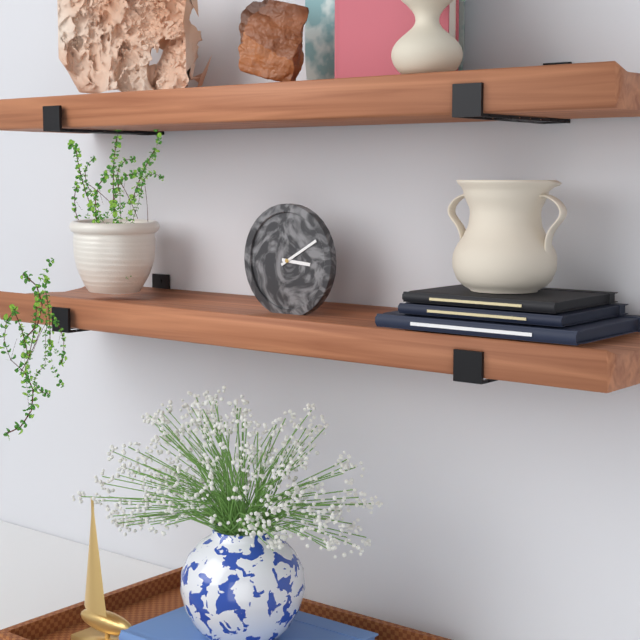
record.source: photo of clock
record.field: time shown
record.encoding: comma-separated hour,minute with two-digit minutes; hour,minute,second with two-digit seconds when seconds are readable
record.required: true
3,10
